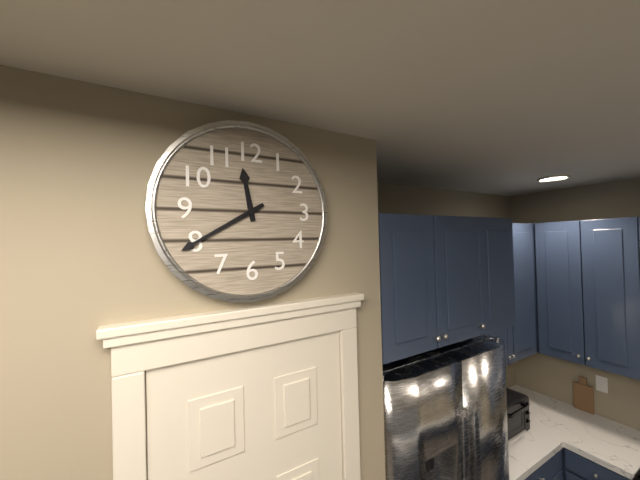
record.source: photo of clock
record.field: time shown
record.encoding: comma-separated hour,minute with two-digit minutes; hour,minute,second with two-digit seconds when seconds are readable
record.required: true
11,40
